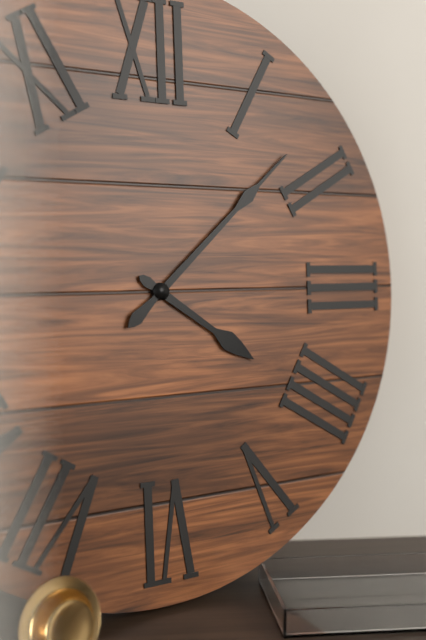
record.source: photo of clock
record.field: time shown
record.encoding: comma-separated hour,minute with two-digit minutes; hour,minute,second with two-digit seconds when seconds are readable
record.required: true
4,08
